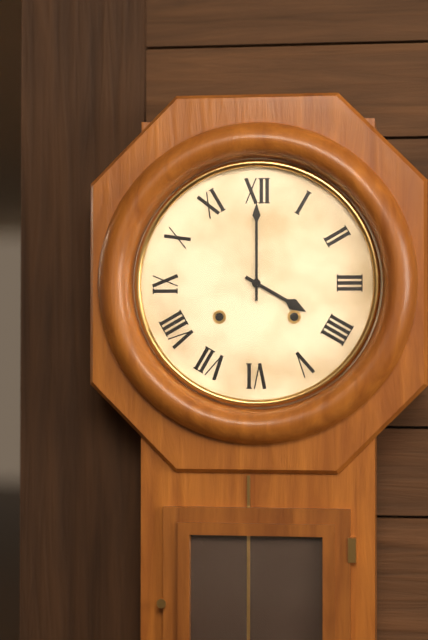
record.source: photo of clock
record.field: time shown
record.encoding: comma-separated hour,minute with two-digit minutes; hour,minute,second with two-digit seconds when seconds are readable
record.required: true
4,00
